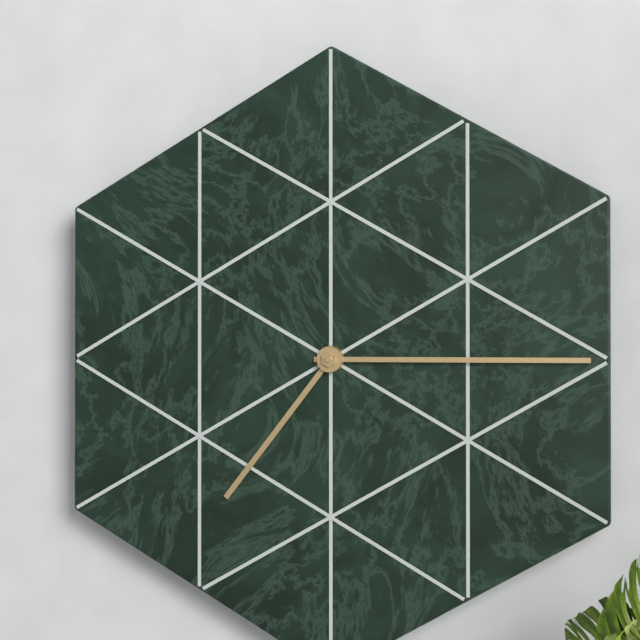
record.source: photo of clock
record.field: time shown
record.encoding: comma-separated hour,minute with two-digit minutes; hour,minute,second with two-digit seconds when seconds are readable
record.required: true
7,15
